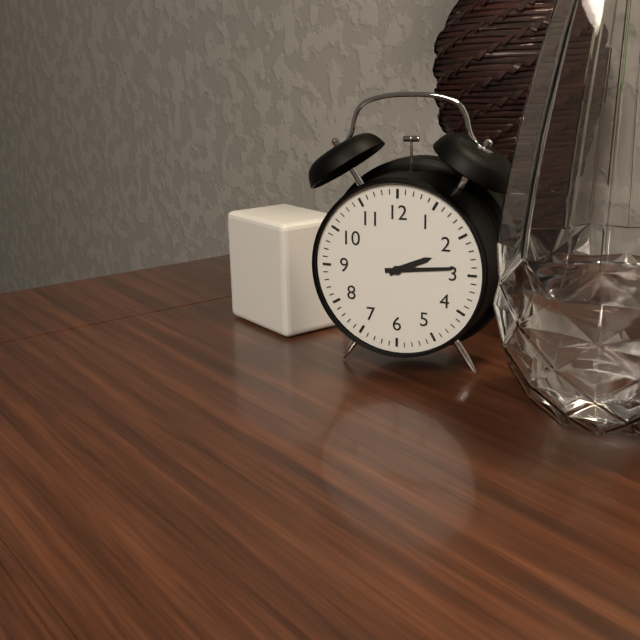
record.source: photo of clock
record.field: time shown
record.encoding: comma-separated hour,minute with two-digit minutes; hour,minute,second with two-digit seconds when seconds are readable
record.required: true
2,14
